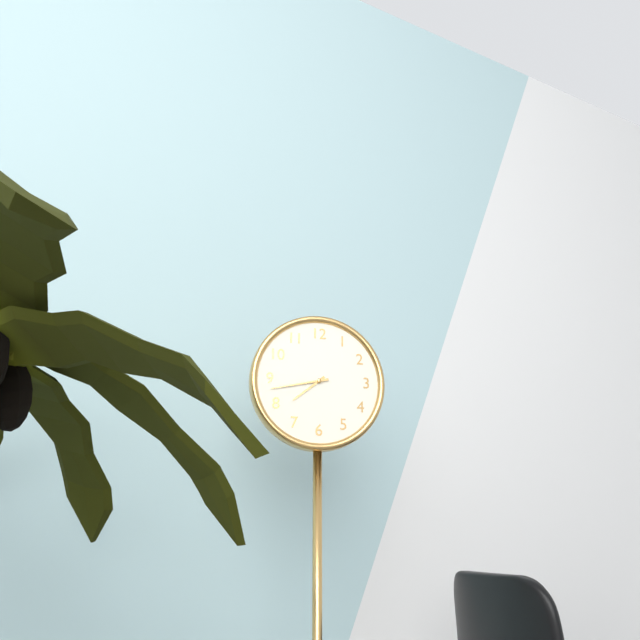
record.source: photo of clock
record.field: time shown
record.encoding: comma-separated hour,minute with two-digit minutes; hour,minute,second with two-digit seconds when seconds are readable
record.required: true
7,43
